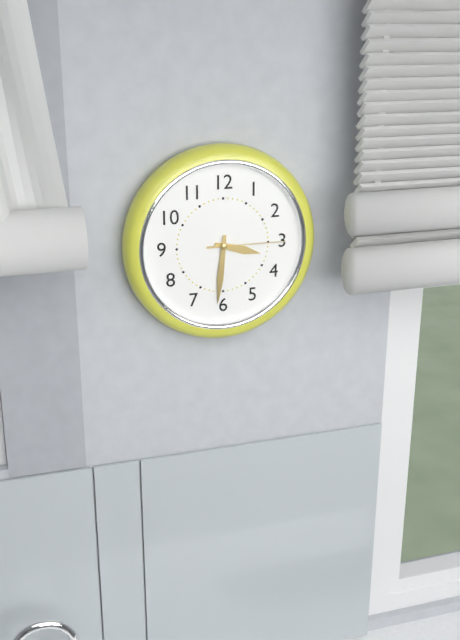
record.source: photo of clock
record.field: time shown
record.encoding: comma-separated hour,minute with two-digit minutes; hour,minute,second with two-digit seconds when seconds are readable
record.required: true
3,31,15
